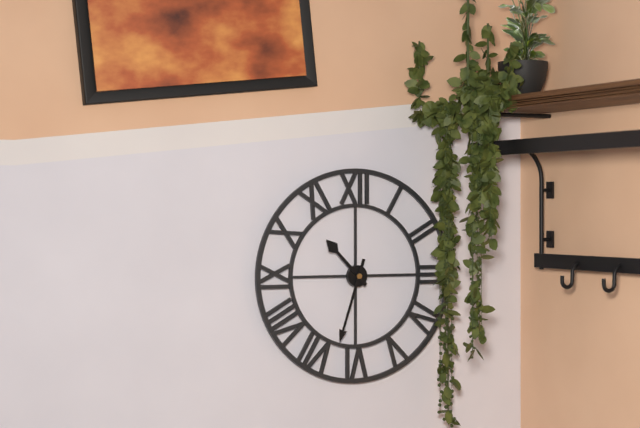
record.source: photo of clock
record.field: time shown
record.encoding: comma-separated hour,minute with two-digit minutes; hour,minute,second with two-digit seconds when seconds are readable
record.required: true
10,33
